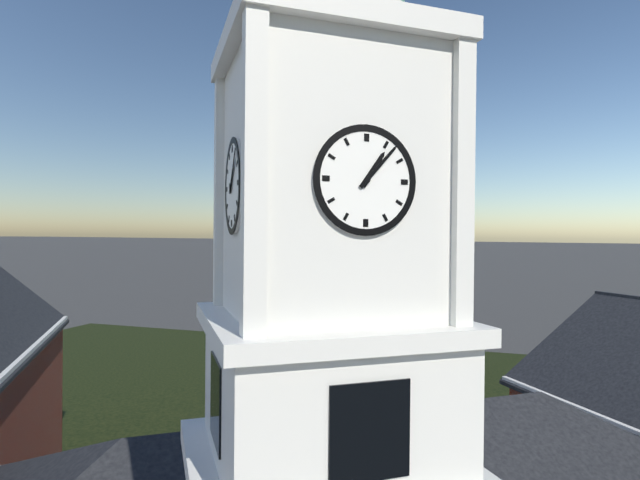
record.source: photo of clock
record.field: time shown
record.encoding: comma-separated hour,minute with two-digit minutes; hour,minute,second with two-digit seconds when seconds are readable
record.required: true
1,07
